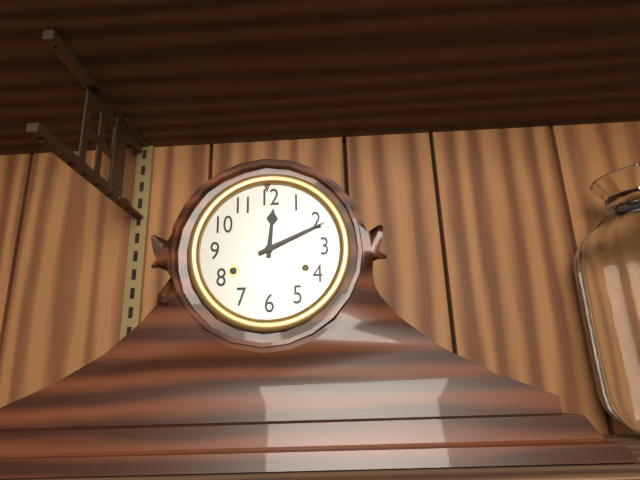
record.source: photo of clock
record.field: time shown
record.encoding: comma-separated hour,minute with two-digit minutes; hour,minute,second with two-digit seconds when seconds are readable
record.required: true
12,11
